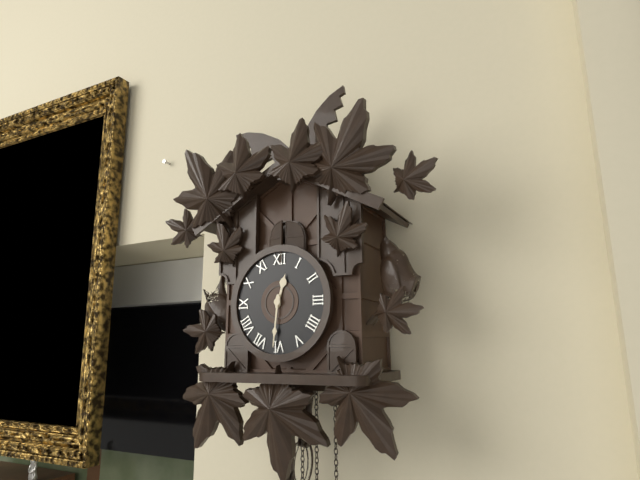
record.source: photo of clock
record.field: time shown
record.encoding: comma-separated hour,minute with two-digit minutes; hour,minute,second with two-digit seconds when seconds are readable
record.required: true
12,31
